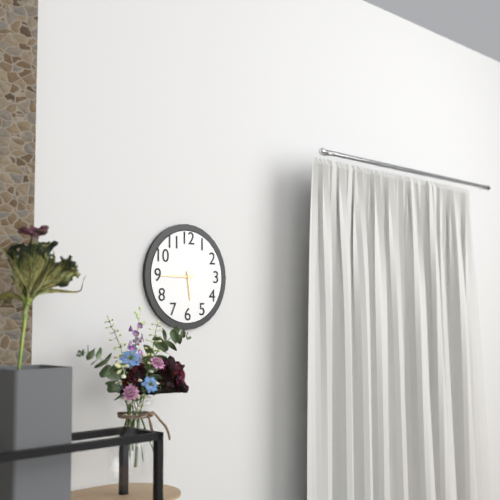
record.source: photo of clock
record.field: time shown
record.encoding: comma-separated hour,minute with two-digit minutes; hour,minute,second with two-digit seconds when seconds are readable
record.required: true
5,45
